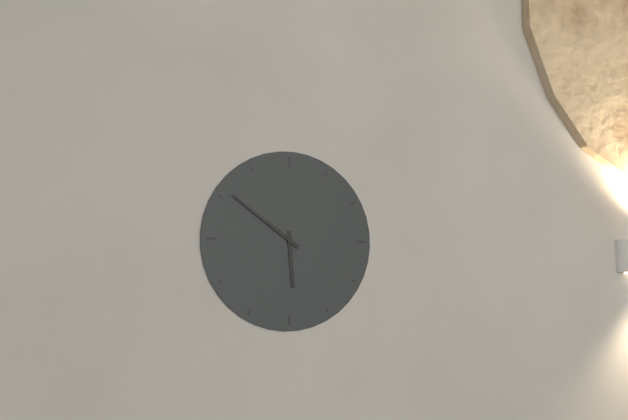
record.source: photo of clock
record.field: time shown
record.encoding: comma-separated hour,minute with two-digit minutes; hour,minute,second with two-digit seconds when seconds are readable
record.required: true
5,51
